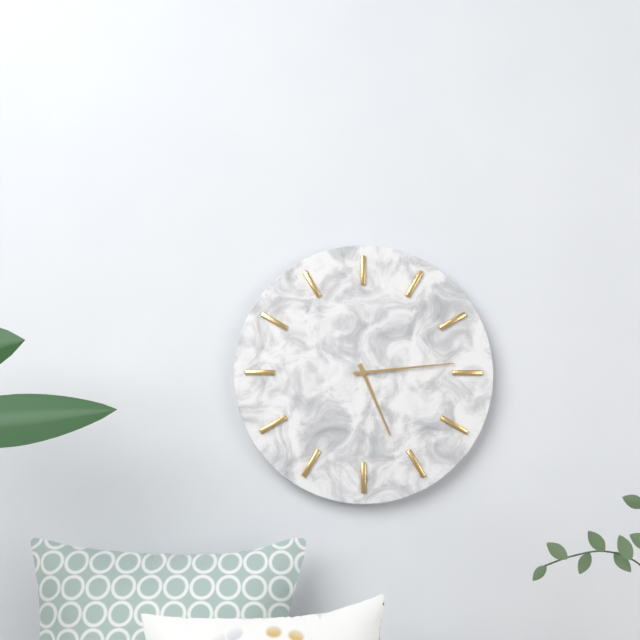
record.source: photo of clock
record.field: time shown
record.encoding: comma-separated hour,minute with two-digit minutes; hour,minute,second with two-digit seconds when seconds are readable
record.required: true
5,14
